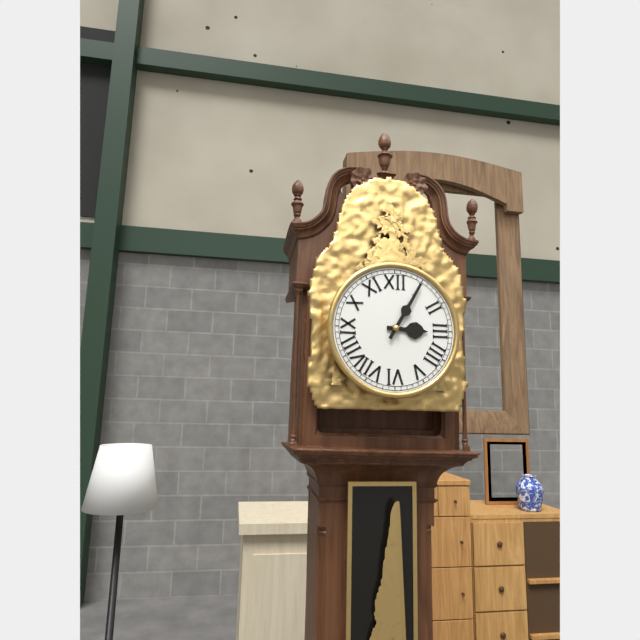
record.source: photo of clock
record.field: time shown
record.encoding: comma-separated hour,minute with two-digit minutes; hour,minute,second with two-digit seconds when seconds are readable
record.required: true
3,05
